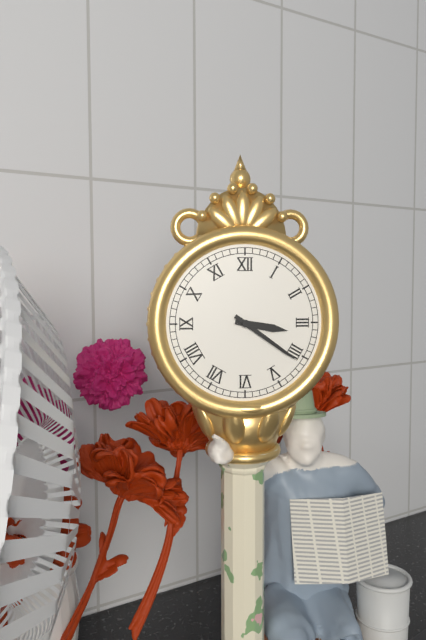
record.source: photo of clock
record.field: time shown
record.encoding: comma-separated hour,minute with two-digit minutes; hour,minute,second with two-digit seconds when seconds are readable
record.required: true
3,21
